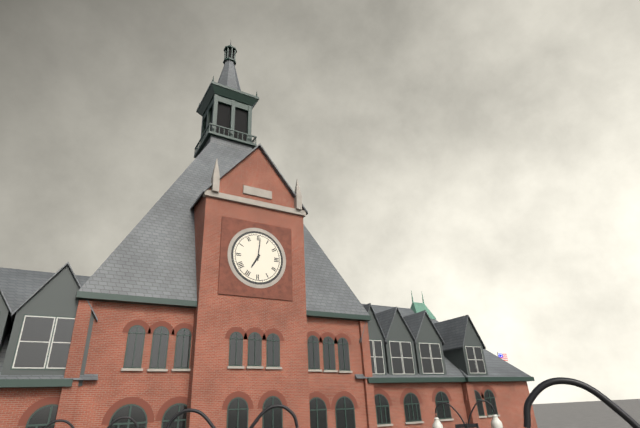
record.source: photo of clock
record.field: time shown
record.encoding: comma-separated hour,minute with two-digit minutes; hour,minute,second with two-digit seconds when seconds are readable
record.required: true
7,01
